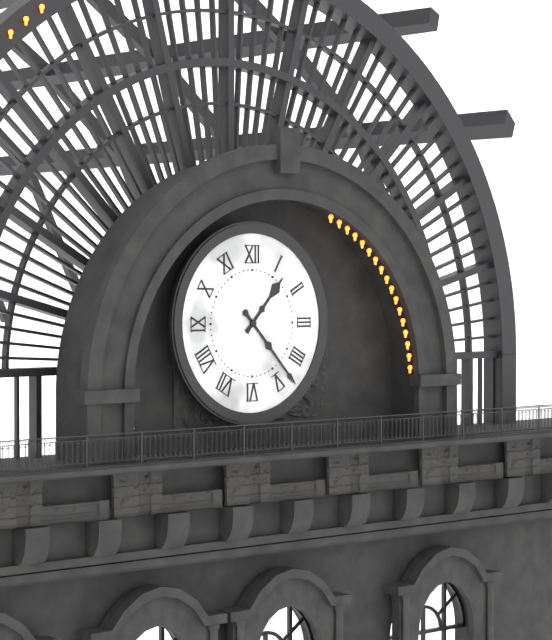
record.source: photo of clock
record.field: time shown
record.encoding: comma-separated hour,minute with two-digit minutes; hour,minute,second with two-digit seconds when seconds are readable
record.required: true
1,23
